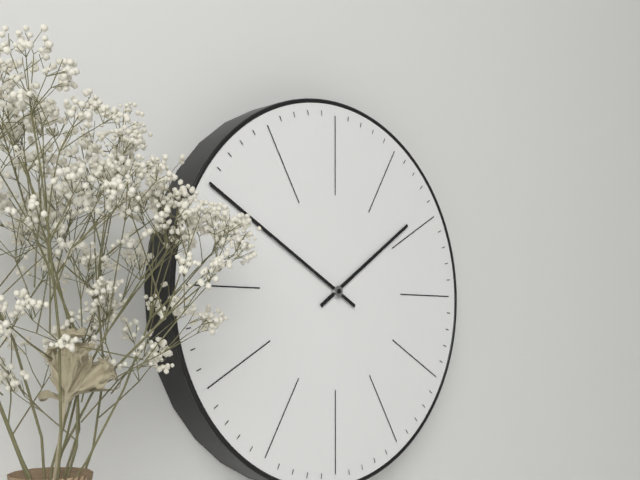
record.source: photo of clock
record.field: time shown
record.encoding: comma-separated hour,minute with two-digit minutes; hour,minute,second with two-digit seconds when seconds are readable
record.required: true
1,50
